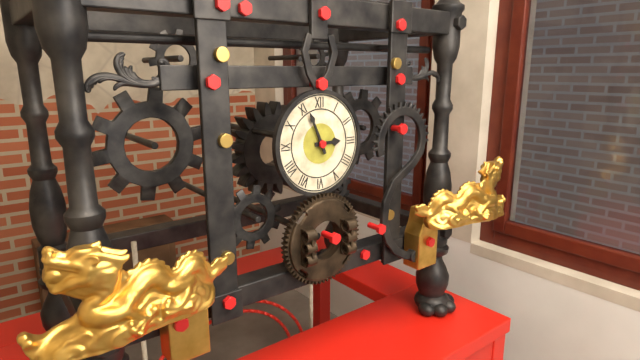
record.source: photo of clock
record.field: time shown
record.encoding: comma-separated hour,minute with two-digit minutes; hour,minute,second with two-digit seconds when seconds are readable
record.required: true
2,56
